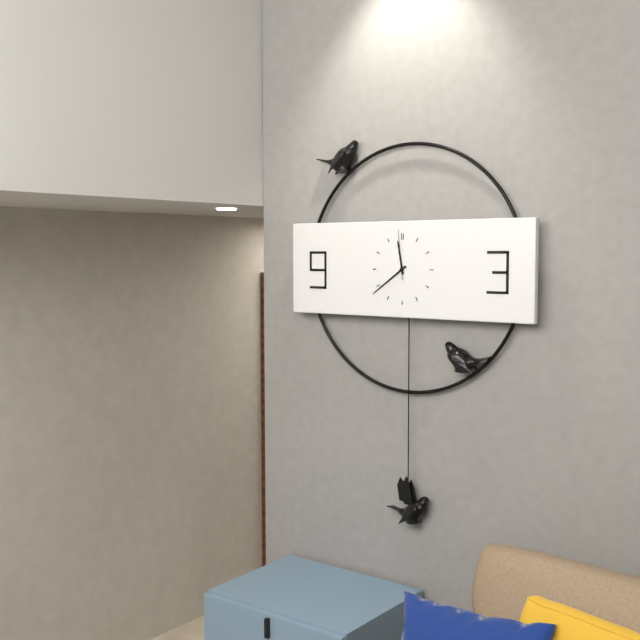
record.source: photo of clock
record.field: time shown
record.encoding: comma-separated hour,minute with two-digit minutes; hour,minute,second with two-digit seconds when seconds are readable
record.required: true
11,39,59
